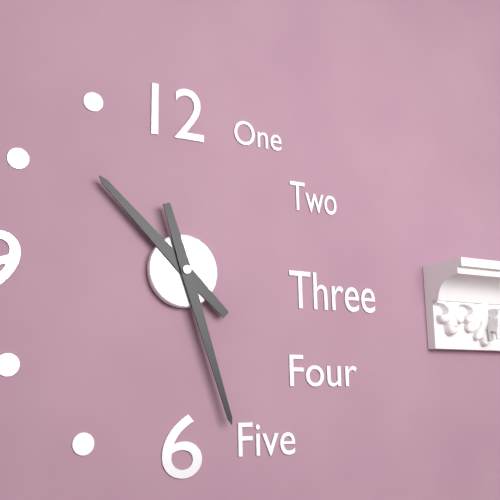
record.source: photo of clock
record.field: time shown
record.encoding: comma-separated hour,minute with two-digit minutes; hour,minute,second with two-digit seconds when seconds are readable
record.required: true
10,27
